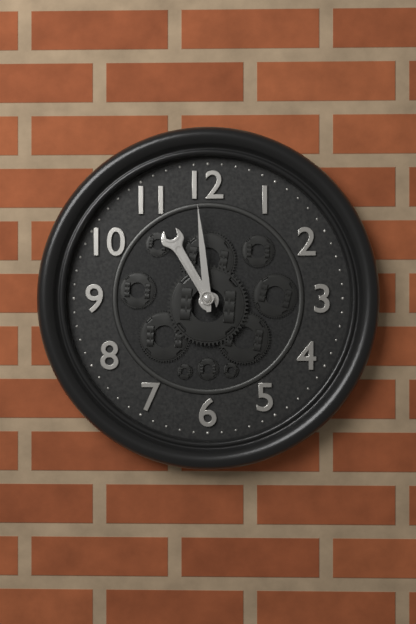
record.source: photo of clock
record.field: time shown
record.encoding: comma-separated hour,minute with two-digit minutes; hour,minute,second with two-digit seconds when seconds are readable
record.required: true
10,59
